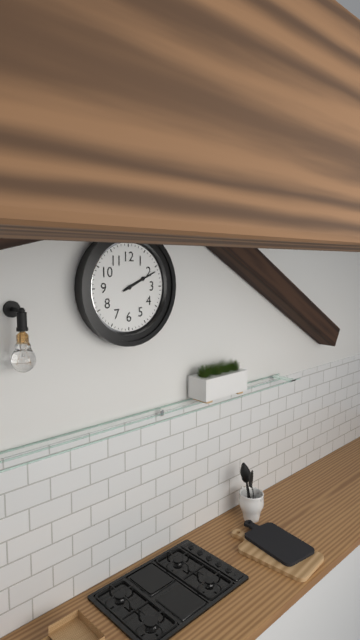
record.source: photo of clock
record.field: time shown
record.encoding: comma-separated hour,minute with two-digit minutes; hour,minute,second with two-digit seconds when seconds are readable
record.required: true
2,11
